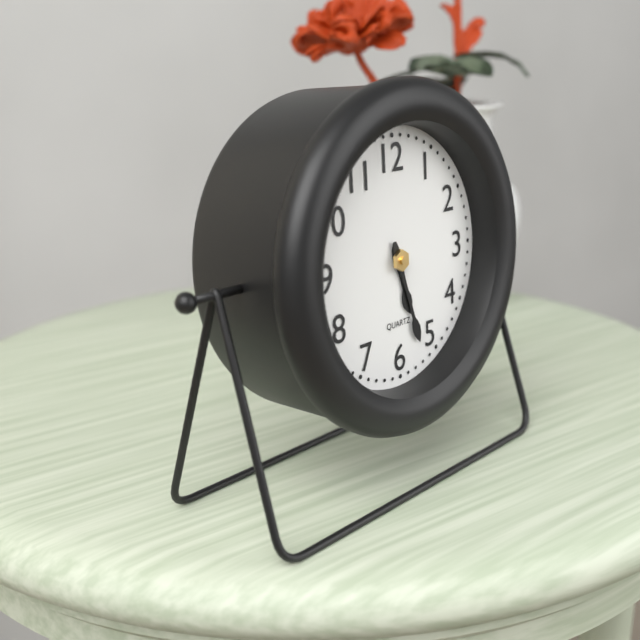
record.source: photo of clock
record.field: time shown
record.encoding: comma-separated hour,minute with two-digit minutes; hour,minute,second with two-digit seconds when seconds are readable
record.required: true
5,27
